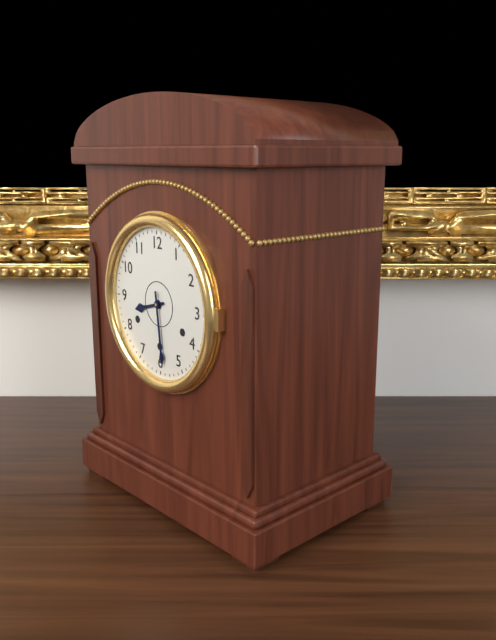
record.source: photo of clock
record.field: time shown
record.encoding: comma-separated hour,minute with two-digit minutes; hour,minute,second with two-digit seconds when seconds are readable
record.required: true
8,29
